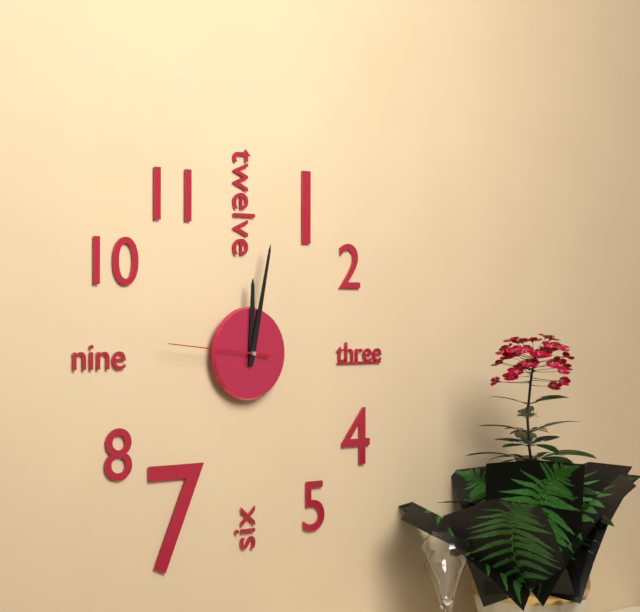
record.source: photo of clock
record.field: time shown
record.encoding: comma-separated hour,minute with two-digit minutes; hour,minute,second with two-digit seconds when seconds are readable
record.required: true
12,02,46
